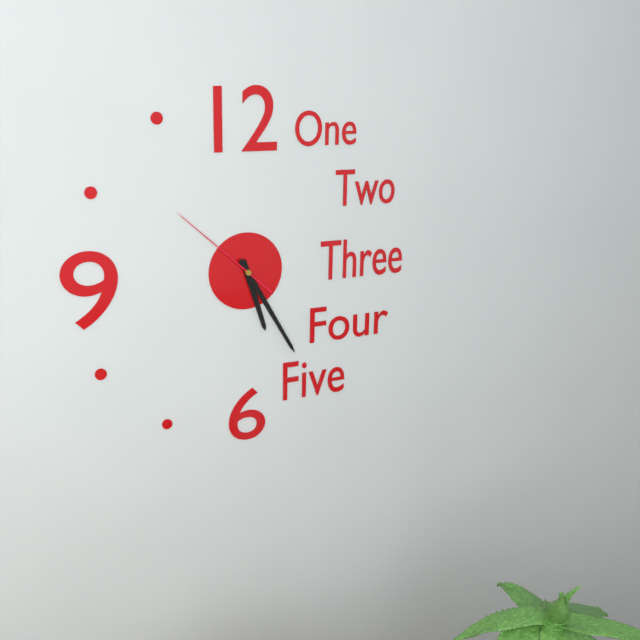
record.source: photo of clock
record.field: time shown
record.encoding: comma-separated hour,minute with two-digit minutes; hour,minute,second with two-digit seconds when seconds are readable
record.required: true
5,25,52
